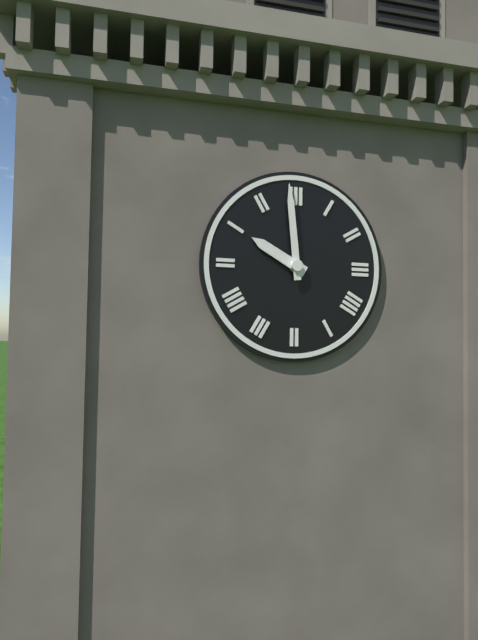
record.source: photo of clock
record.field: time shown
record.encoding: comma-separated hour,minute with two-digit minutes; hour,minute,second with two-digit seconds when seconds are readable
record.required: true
9,59
